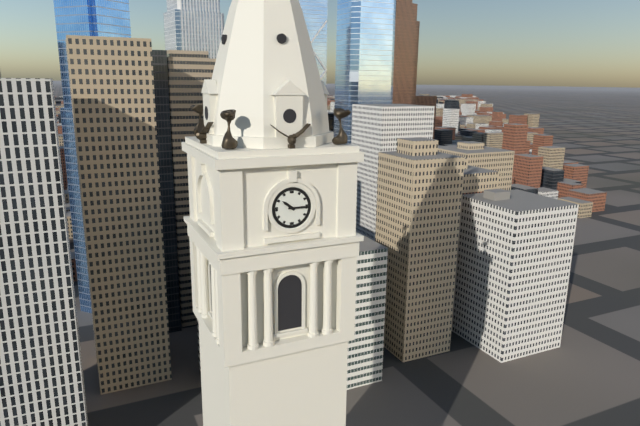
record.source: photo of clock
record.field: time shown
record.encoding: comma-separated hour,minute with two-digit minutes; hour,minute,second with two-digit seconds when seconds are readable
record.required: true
10,15
